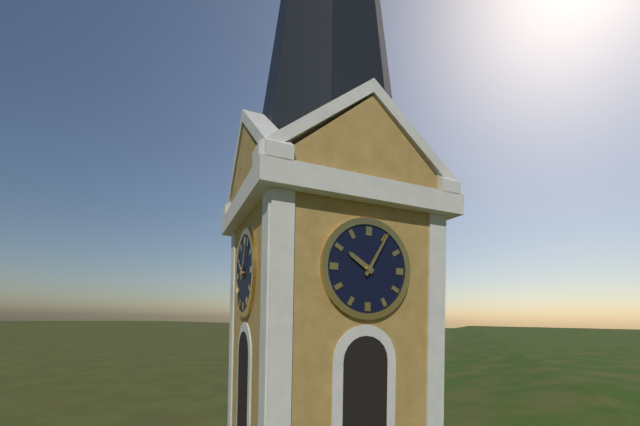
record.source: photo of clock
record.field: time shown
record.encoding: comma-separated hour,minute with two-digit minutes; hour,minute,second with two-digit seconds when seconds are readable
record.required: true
10,05
